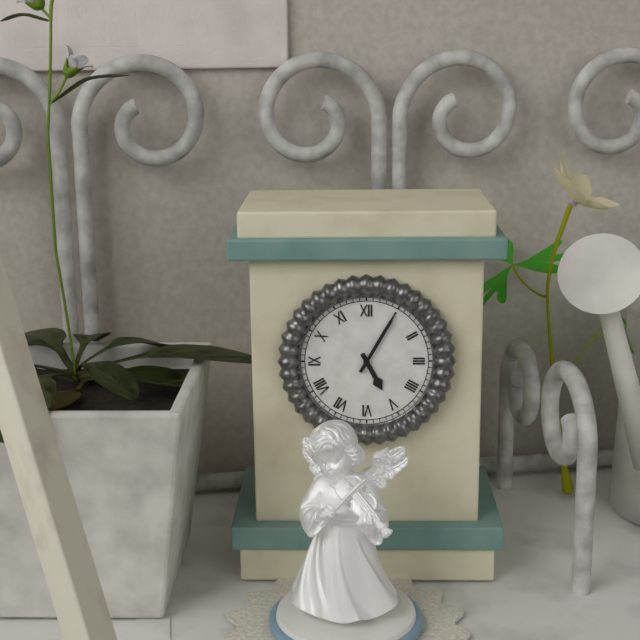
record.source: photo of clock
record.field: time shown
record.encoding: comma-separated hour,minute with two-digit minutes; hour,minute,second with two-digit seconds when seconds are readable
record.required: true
5,05
